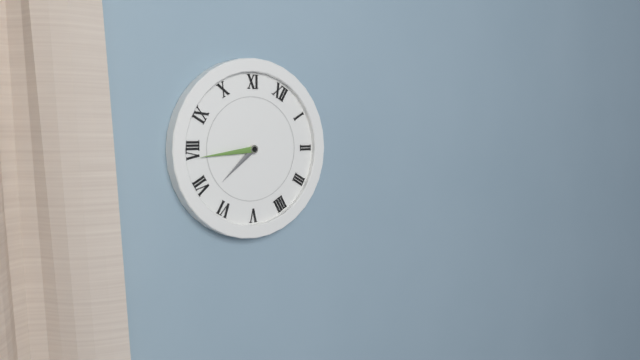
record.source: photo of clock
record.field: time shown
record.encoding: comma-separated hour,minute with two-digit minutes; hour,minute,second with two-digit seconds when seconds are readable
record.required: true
6,39
